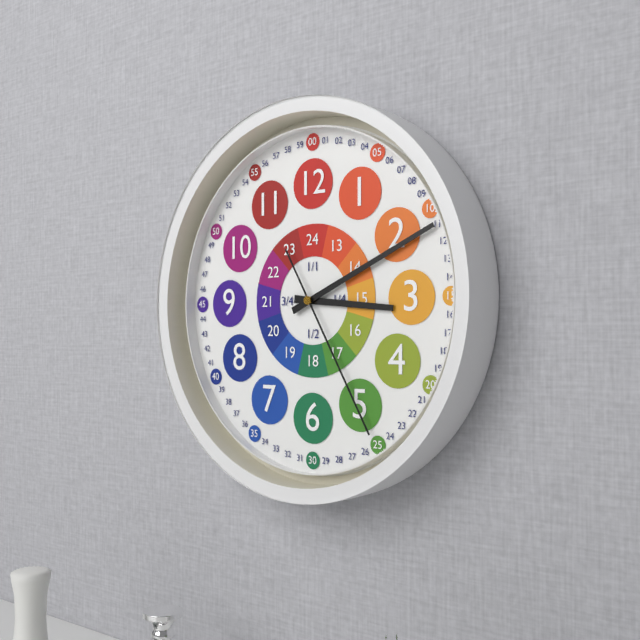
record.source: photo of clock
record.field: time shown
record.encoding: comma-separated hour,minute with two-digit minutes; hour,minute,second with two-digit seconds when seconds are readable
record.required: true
3,11,25
